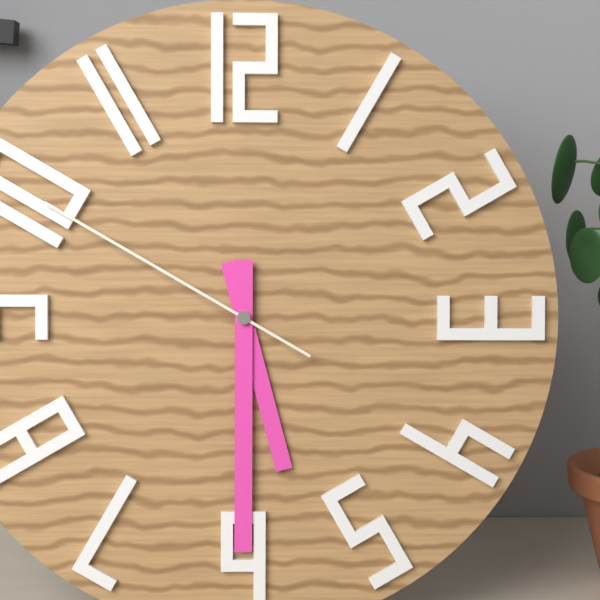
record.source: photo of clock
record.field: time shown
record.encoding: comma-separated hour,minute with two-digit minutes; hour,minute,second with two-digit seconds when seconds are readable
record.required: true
5,30,50
